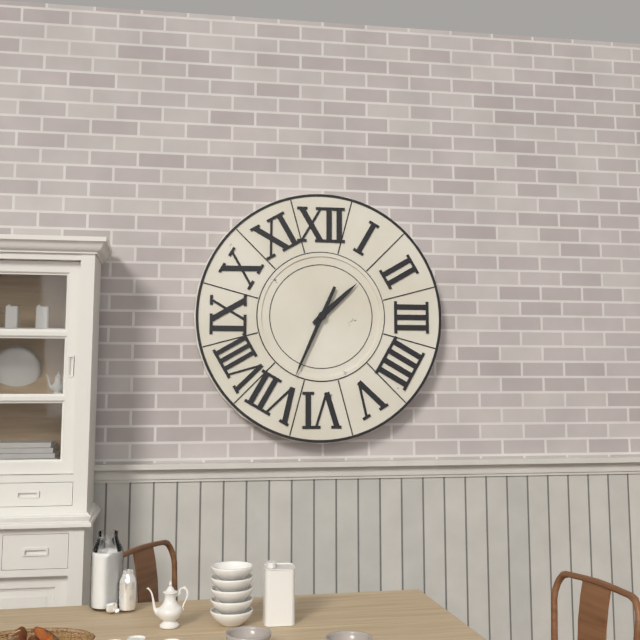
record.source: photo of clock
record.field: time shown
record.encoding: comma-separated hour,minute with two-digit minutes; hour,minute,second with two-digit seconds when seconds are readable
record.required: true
1,34
